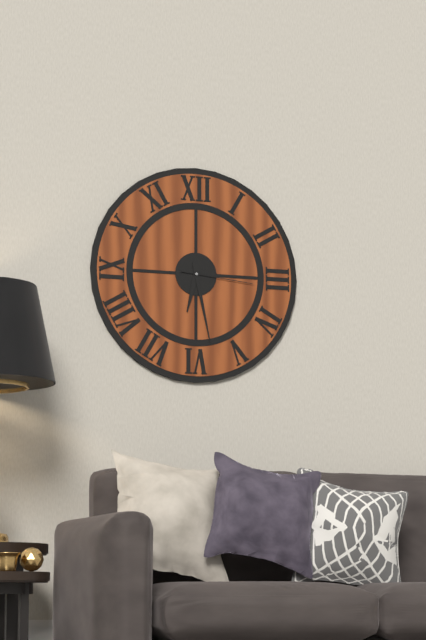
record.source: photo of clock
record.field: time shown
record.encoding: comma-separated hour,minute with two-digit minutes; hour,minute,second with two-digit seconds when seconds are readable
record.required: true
6,28,16
